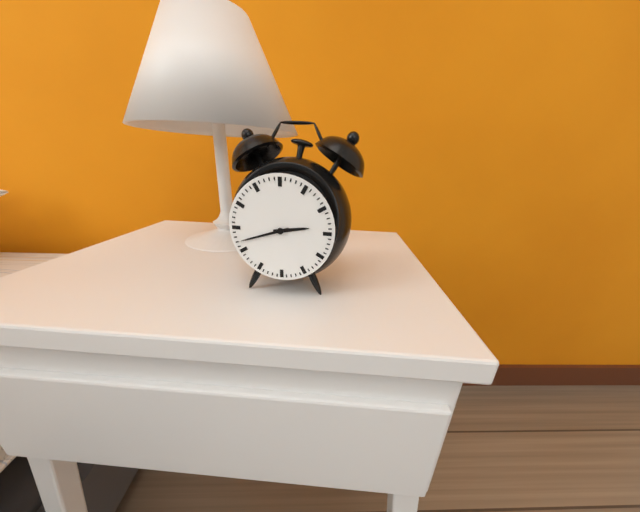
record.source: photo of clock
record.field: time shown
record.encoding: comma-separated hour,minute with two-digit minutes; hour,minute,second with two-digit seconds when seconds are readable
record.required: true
2,42
